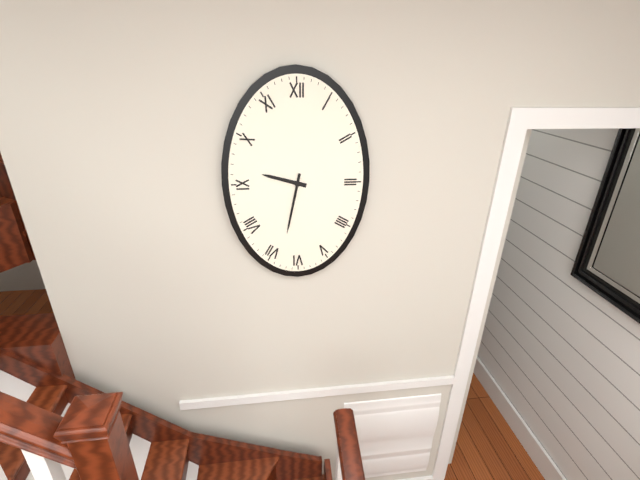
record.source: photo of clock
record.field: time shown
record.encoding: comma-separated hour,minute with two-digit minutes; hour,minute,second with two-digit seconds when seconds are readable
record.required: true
9,32
